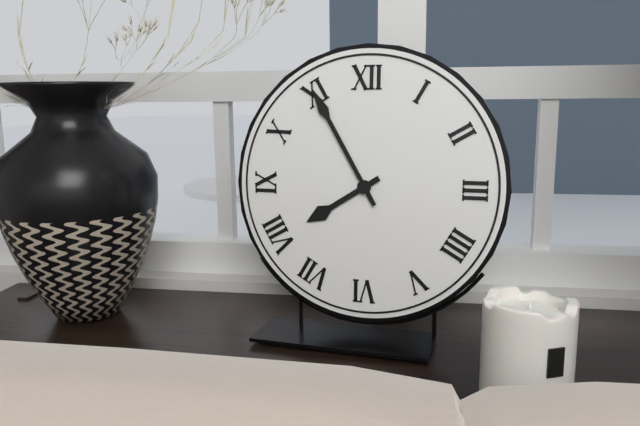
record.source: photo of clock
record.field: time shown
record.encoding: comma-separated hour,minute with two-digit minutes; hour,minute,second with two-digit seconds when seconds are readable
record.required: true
7,55
